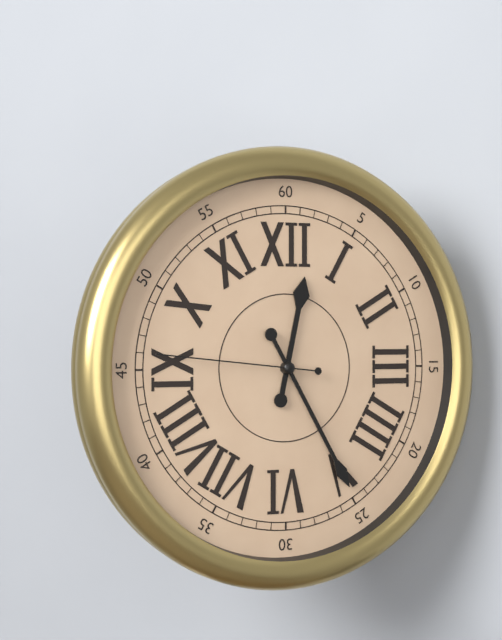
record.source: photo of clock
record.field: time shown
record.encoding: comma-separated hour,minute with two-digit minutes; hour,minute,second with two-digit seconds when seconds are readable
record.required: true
12,25,46
